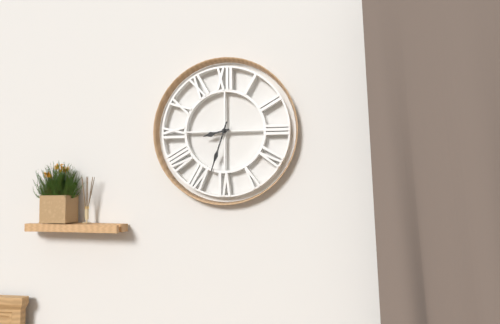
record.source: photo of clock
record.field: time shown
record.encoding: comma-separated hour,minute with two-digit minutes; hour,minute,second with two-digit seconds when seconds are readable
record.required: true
8,33
